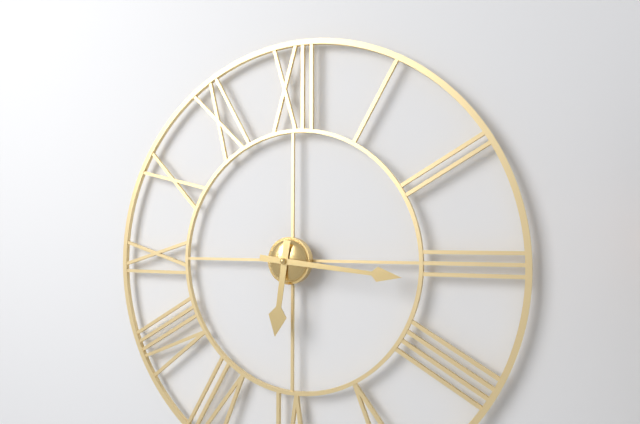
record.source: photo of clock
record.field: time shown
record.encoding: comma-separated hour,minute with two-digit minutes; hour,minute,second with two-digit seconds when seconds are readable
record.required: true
6,16
